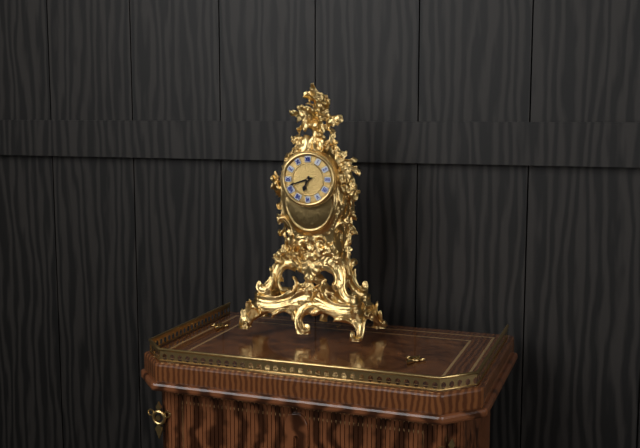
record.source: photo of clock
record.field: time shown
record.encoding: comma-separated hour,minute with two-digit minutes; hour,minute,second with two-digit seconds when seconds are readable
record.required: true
6,42
